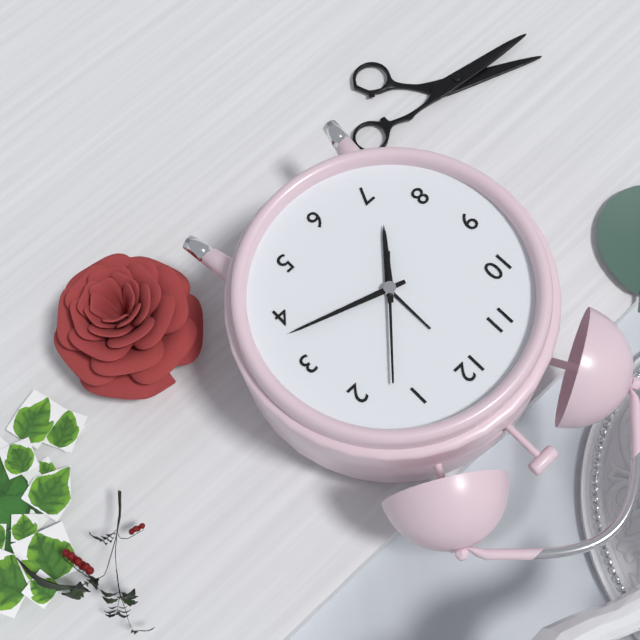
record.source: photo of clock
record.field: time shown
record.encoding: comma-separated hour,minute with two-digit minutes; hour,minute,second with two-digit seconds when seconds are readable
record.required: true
7,18,07
